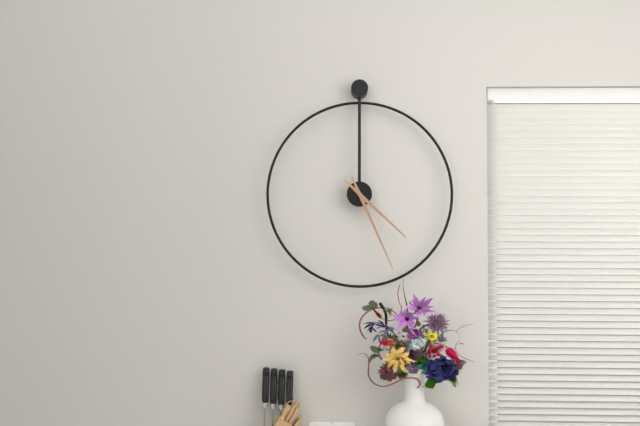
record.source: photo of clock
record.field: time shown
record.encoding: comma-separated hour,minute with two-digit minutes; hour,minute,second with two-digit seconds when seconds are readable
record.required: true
4,26
